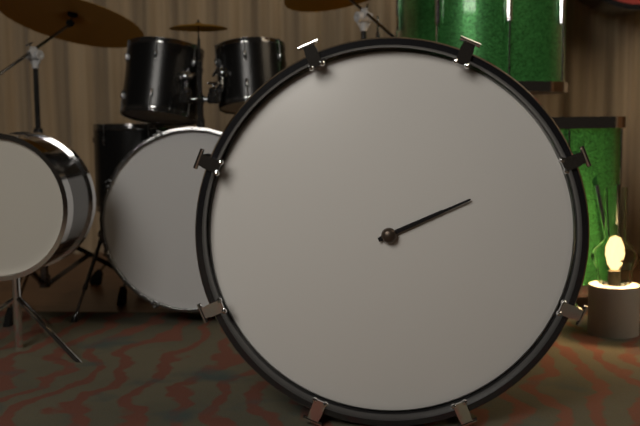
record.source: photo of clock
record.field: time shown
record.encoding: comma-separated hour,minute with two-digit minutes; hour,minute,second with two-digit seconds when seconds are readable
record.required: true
2,11
